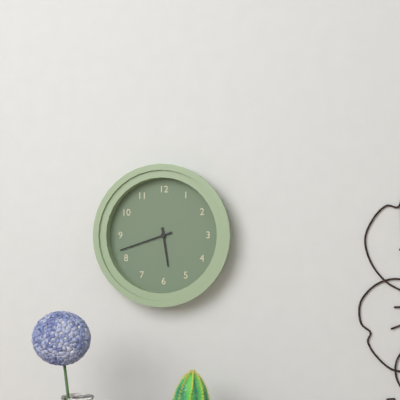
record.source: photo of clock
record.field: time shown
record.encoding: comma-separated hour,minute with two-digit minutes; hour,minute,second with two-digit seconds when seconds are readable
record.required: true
5,42
